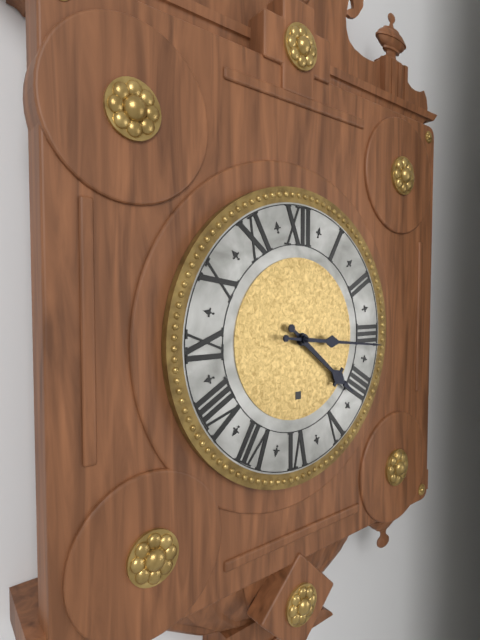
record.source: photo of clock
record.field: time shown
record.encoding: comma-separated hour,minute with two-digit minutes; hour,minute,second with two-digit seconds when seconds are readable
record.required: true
4,16
